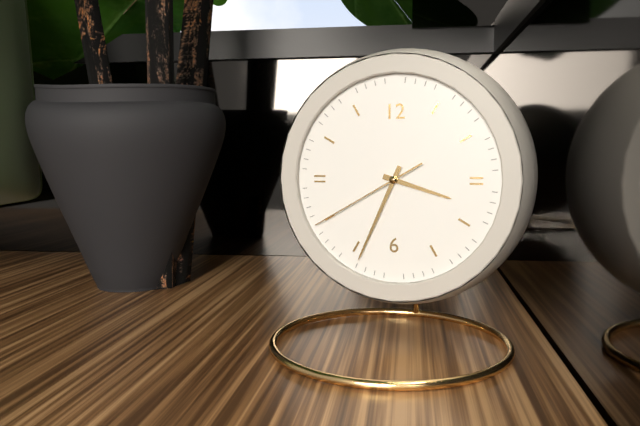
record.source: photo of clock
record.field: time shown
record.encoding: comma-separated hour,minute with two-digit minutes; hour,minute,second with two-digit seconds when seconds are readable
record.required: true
3,34,40
